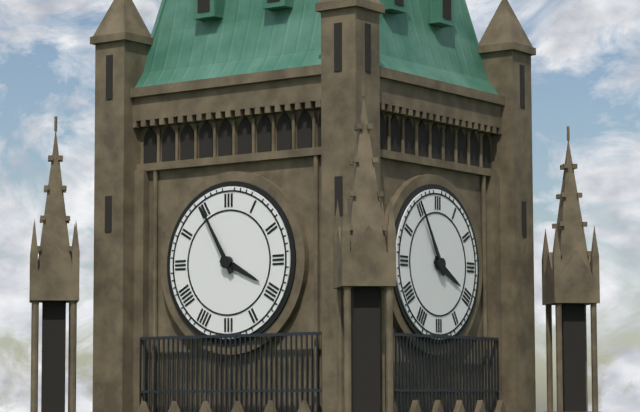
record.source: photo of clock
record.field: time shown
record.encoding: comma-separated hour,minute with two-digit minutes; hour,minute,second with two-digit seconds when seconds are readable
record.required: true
3,55
